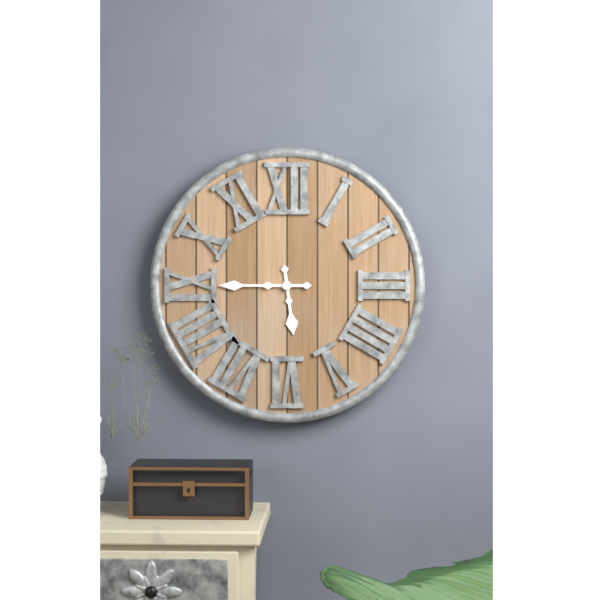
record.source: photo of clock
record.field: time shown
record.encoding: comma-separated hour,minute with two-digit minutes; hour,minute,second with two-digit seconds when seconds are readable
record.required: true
5,45
